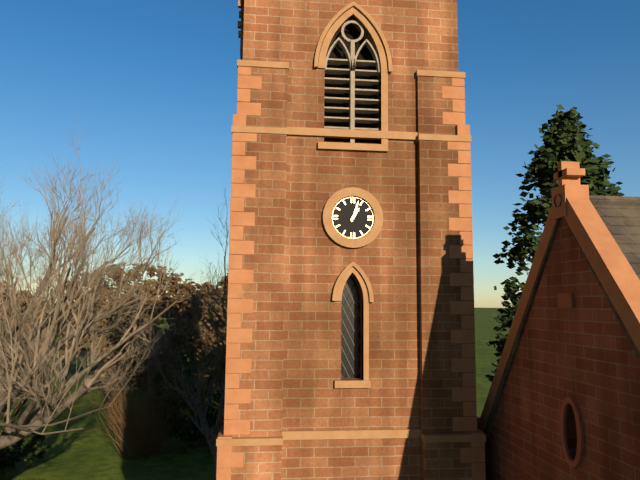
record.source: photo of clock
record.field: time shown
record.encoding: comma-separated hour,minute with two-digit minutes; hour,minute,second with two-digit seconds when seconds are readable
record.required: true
1,03
